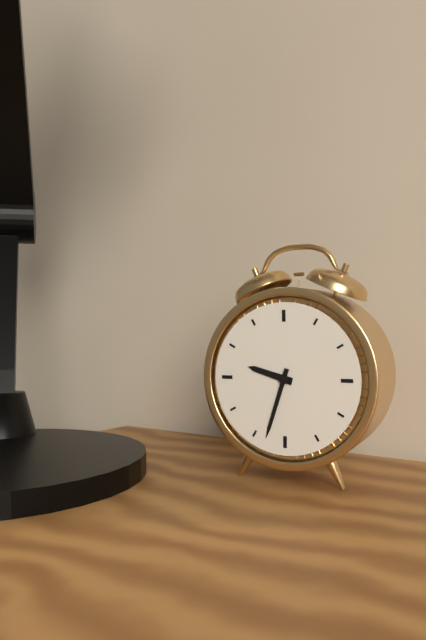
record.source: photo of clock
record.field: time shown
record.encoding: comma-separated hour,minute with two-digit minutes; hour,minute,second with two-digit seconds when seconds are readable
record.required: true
9,33
